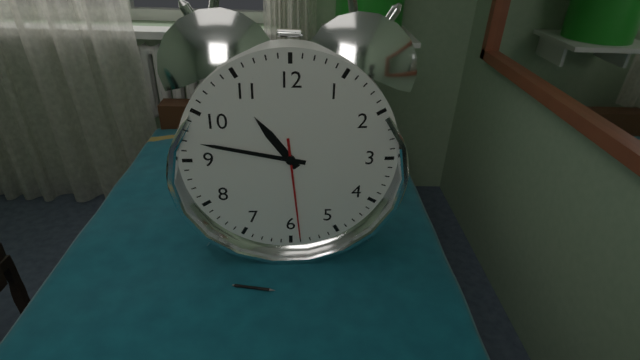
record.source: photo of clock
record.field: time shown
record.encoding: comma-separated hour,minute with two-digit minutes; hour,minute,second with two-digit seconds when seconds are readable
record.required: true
10,47,29
